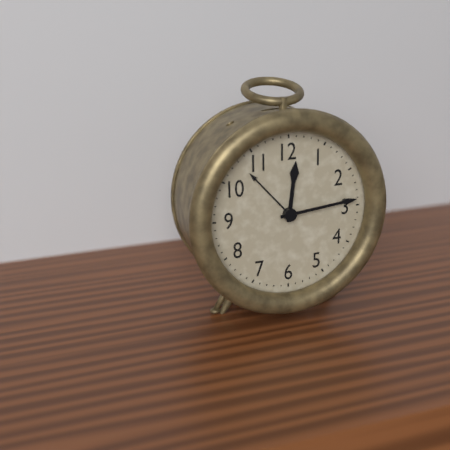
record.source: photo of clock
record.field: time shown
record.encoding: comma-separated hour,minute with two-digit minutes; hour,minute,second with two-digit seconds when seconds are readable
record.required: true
12,14
